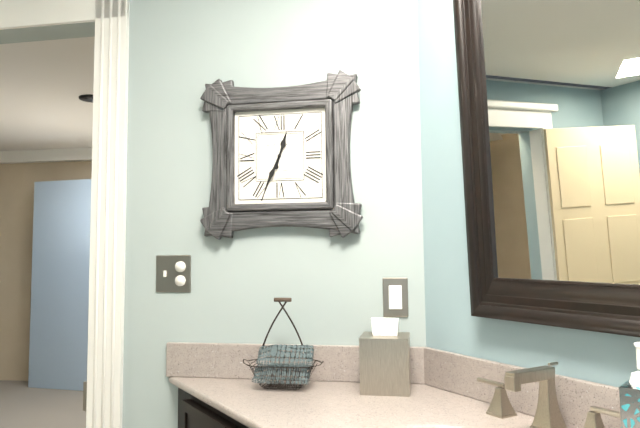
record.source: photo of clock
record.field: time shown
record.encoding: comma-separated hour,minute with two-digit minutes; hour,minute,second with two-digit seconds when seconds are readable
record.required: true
12,34
